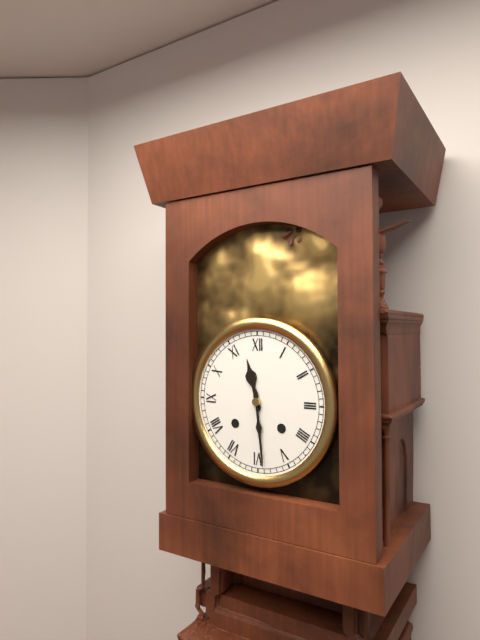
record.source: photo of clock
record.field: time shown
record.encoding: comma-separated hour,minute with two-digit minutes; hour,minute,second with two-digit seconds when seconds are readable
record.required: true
11,29
